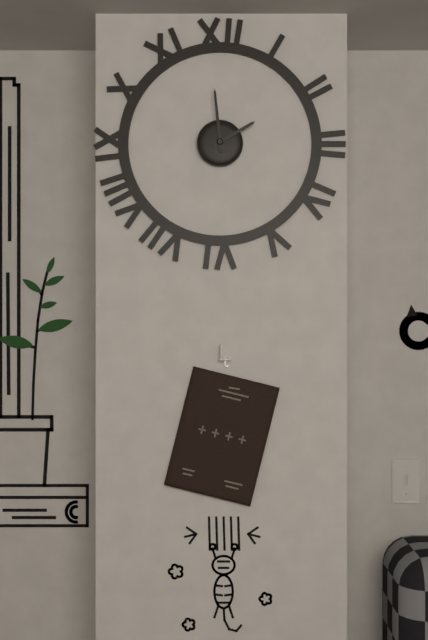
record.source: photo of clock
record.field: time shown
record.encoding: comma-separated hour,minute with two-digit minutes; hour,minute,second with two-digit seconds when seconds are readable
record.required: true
1,59
